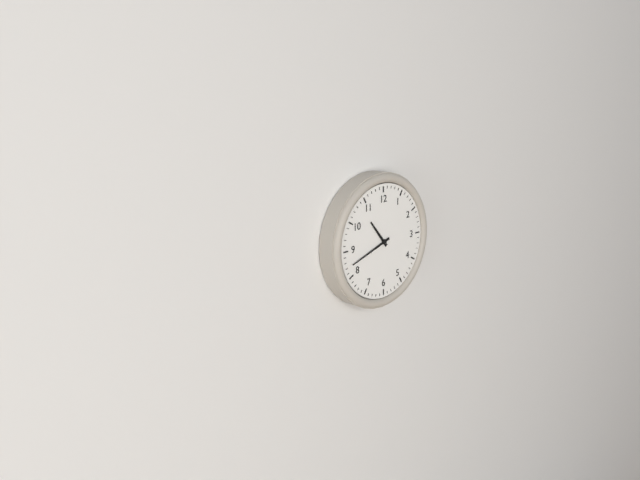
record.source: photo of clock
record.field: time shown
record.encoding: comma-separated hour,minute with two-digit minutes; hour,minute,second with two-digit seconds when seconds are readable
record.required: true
10,42
